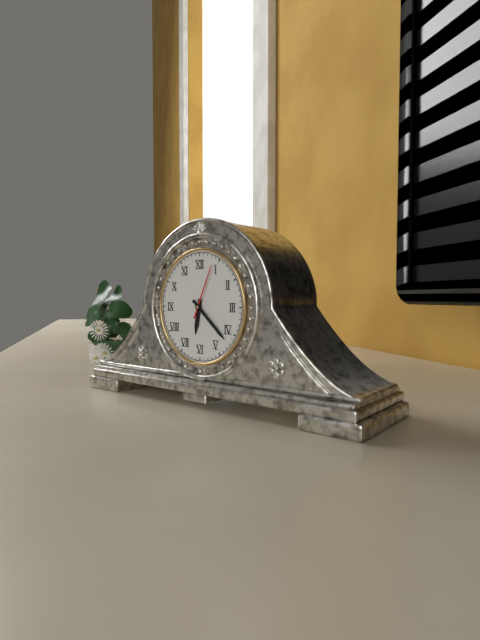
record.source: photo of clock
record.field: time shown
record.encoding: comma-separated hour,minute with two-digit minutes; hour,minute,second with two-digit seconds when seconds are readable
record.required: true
6,22,04
